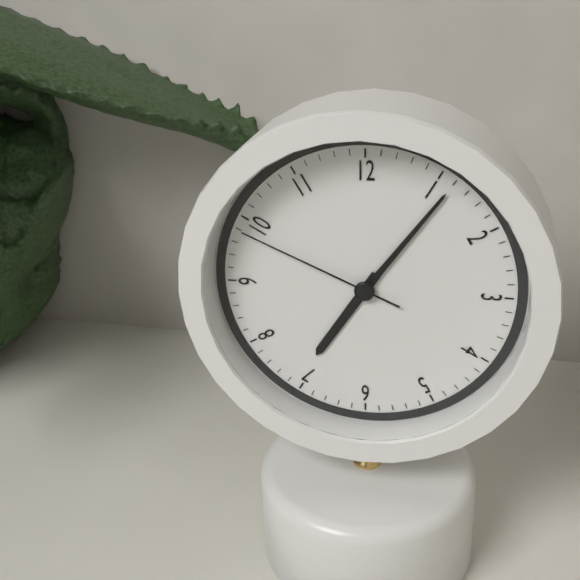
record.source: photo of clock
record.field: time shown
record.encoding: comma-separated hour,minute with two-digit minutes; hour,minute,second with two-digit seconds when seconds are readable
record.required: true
7,06,49
